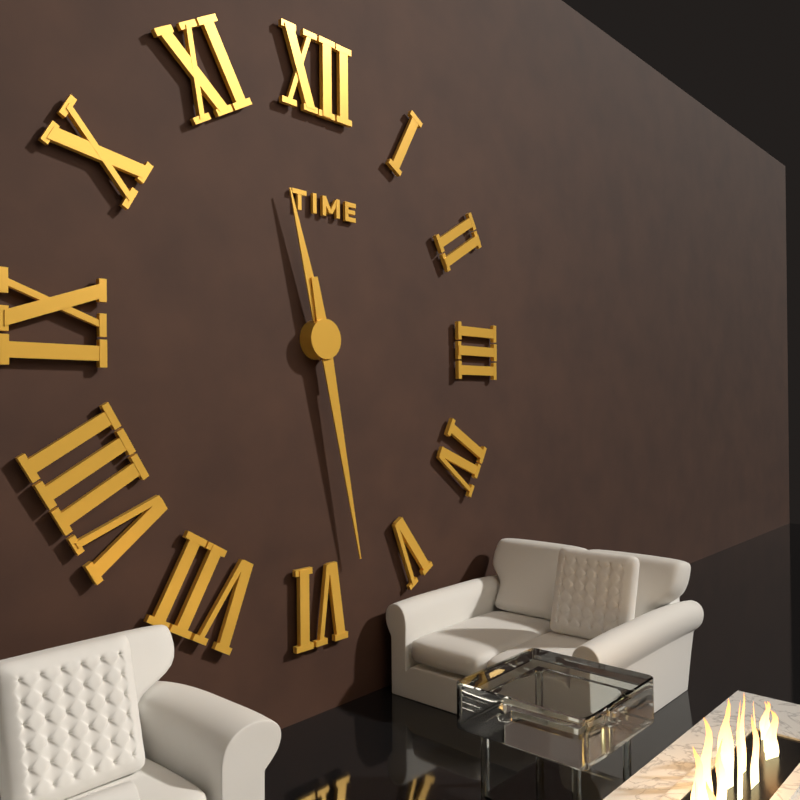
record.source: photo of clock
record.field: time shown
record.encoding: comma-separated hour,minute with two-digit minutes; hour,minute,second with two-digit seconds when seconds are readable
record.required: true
11,28
